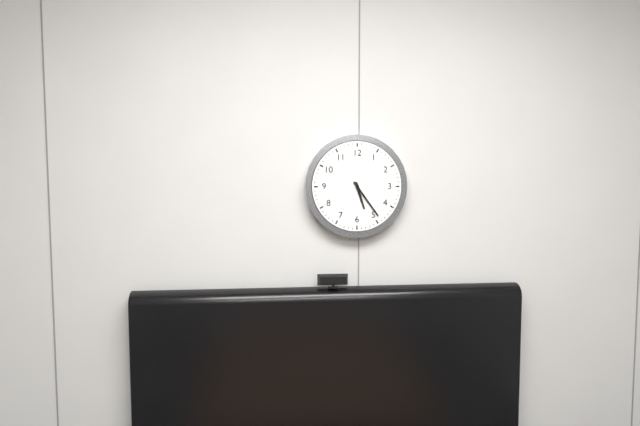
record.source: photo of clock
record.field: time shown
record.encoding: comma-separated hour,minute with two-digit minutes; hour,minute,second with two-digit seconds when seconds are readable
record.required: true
5,24
